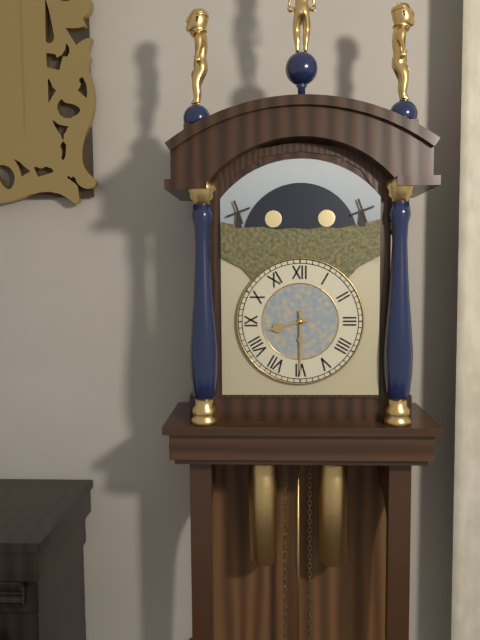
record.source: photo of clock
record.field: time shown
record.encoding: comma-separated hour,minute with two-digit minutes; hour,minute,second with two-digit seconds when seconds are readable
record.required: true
8,30
